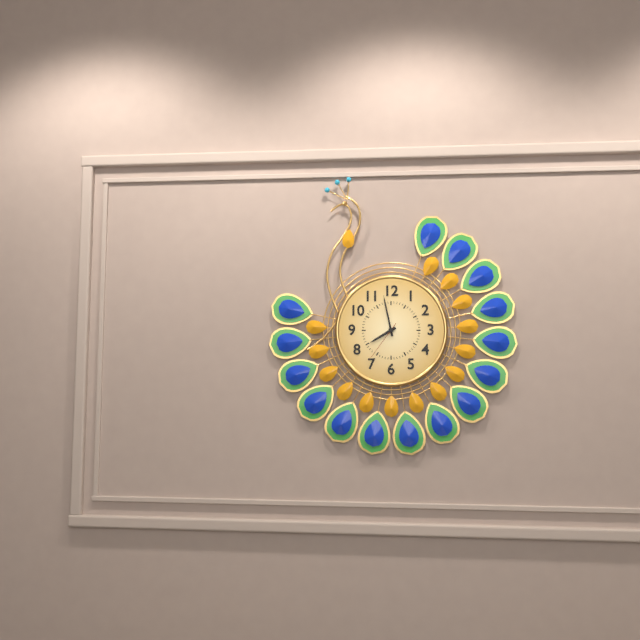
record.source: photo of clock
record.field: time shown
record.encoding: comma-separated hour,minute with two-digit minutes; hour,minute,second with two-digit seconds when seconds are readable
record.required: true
7,58
